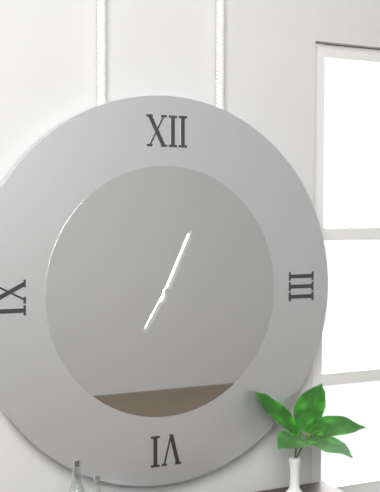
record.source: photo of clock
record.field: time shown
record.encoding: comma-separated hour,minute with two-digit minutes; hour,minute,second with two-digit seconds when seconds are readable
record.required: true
7,04
